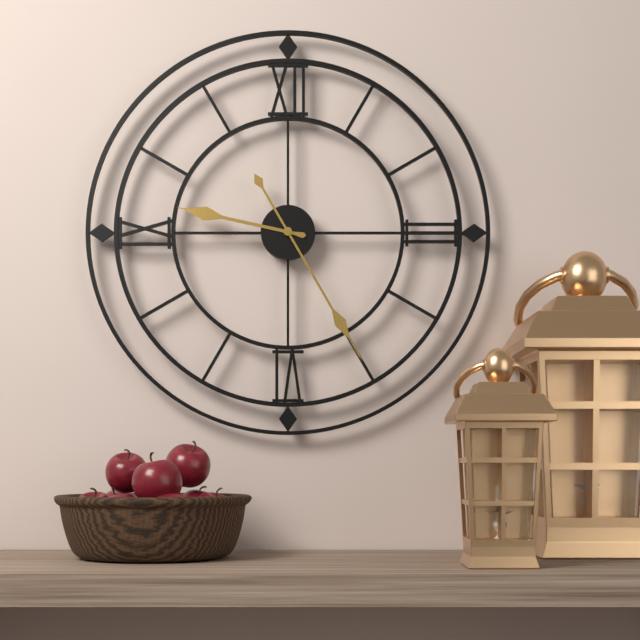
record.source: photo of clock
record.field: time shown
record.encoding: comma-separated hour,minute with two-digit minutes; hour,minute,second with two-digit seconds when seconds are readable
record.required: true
9,25
